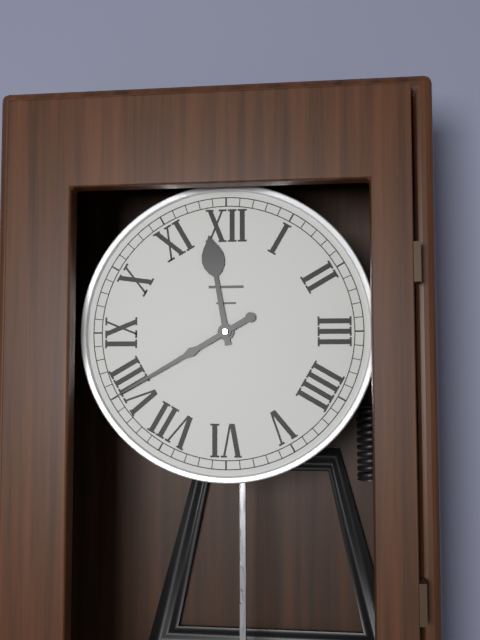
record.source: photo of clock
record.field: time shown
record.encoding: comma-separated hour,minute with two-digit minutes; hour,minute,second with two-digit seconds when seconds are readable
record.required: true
11,40
